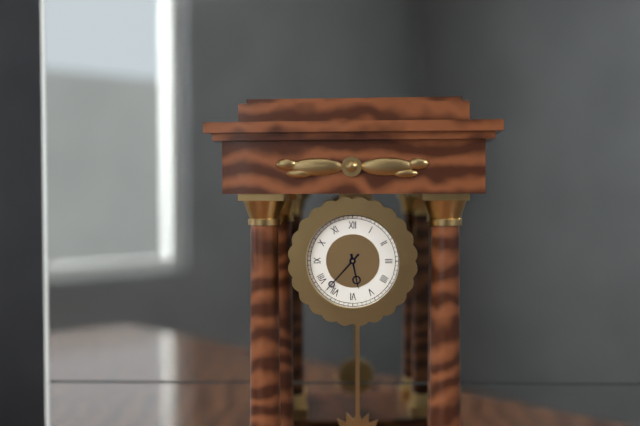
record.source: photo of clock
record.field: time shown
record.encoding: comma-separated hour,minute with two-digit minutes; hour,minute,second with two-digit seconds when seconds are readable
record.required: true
5,37
